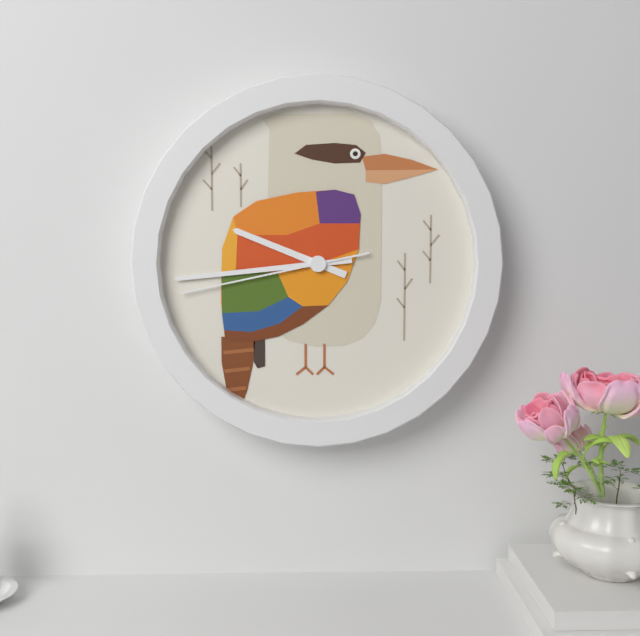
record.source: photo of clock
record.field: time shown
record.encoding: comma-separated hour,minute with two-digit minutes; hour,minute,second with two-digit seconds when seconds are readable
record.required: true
9,44,43
